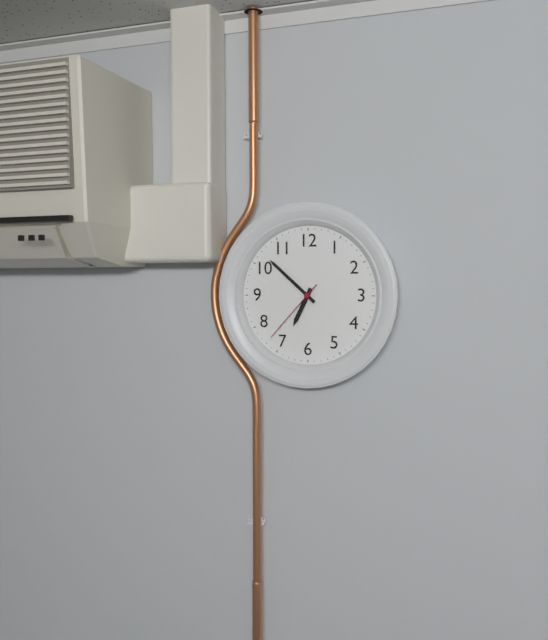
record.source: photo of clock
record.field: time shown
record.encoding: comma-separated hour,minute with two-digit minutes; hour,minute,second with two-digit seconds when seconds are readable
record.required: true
6,52,37
